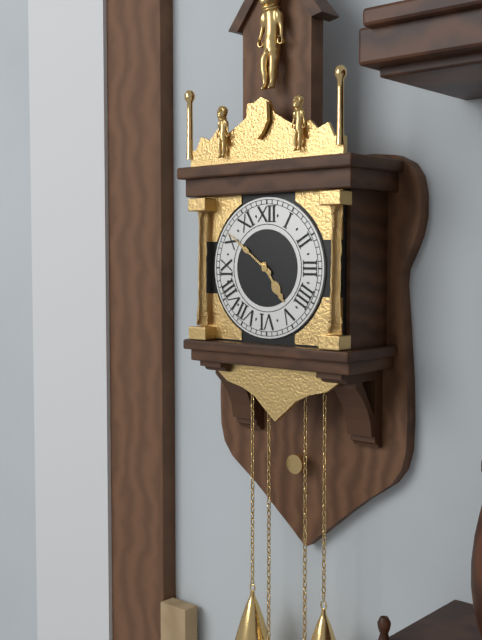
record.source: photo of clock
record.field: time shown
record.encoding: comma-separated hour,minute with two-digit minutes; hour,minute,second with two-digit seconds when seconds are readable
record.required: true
4,51
